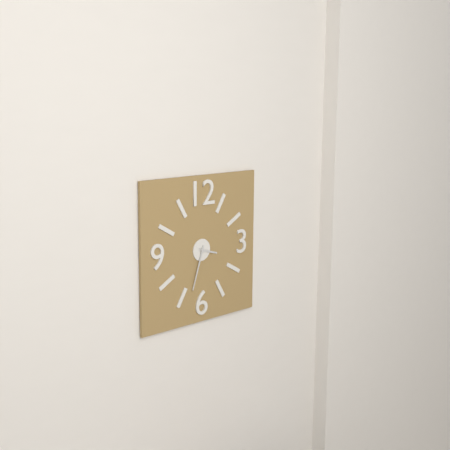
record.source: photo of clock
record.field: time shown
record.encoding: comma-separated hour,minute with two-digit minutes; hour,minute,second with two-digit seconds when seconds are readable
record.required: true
3,33
